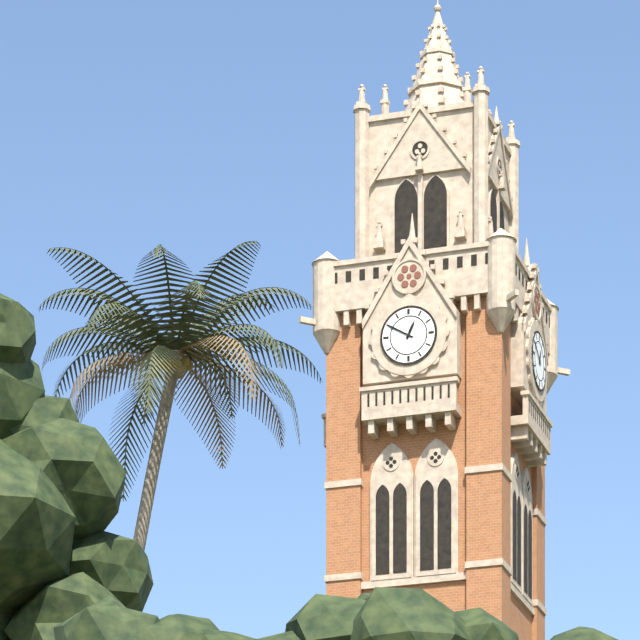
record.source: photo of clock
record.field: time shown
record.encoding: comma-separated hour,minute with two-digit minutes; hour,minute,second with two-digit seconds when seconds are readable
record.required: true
12,50
